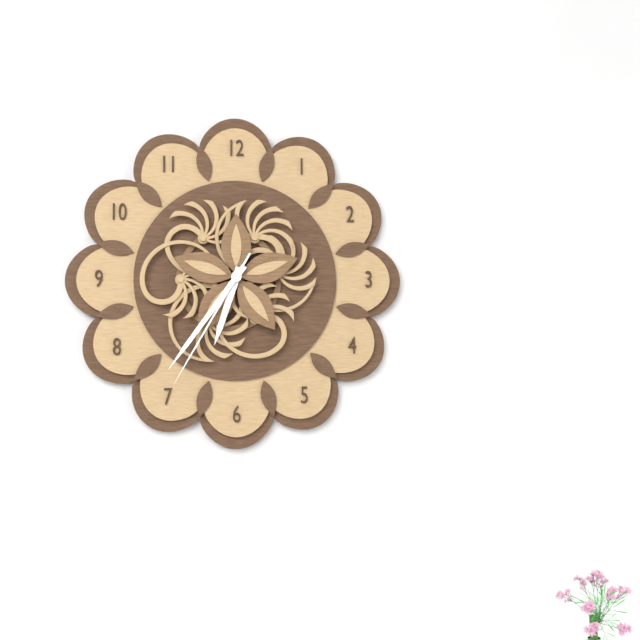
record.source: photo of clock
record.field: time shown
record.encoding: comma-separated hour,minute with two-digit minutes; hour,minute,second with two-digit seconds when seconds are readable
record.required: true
6,36,35
